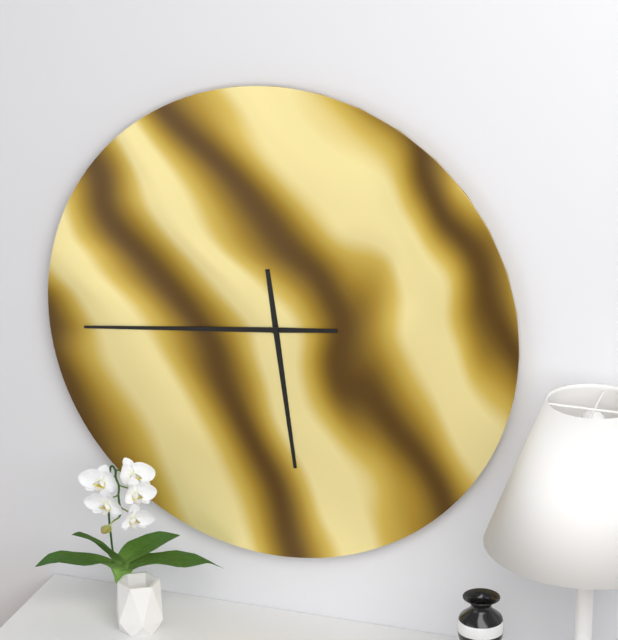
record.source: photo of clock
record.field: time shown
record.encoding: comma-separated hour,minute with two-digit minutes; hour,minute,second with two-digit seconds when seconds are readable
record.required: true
5,44
